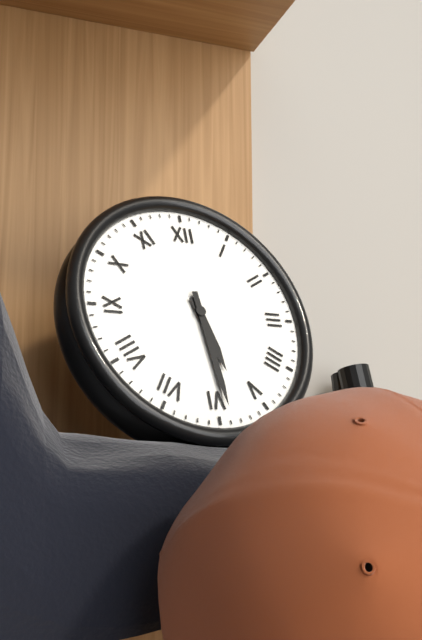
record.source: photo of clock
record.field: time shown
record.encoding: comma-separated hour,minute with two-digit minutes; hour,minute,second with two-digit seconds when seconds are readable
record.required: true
5,29
